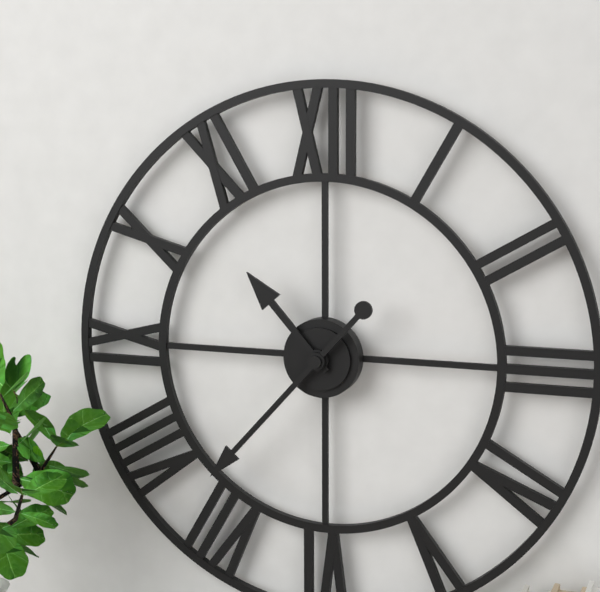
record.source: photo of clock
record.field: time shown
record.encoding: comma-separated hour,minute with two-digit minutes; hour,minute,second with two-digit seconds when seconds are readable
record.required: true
10,37
